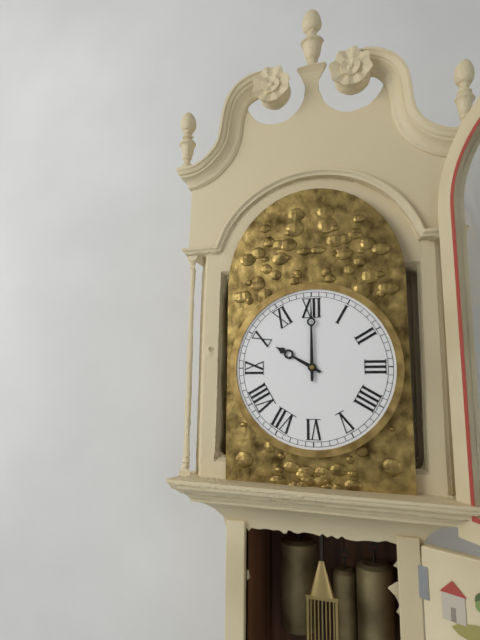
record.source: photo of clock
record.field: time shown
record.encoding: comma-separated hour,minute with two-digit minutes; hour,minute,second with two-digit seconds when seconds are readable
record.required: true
10,00
